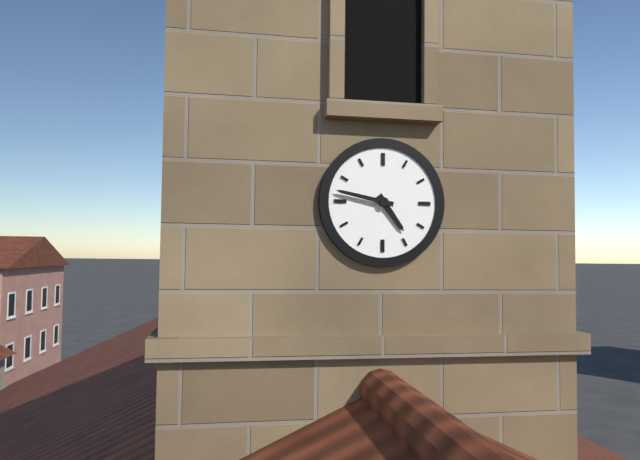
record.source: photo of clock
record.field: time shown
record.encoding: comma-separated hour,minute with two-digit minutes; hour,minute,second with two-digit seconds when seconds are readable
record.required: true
4,47
